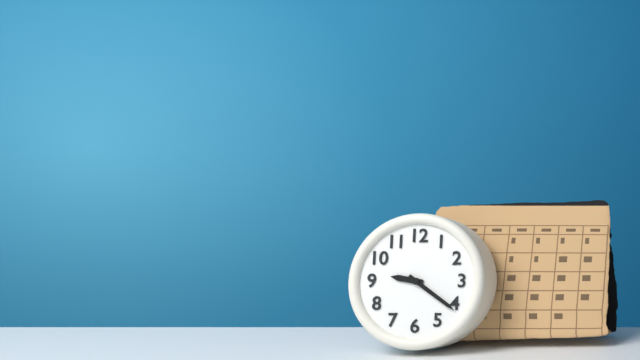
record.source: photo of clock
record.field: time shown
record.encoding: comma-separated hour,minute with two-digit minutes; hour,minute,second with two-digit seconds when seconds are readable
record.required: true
9,21
